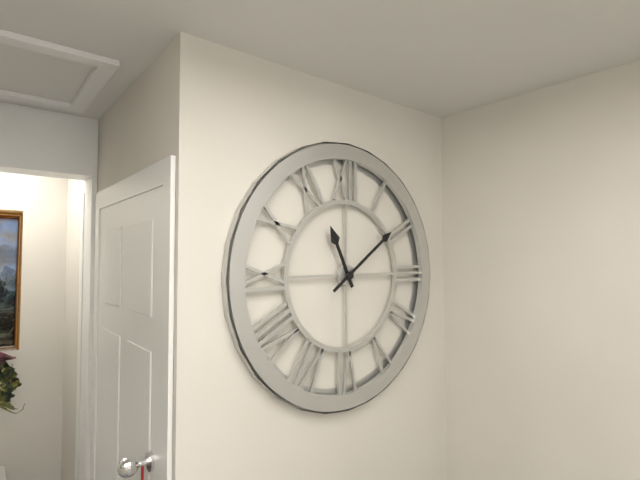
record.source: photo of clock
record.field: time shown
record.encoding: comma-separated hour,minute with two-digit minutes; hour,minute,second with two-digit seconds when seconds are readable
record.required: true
11,09
